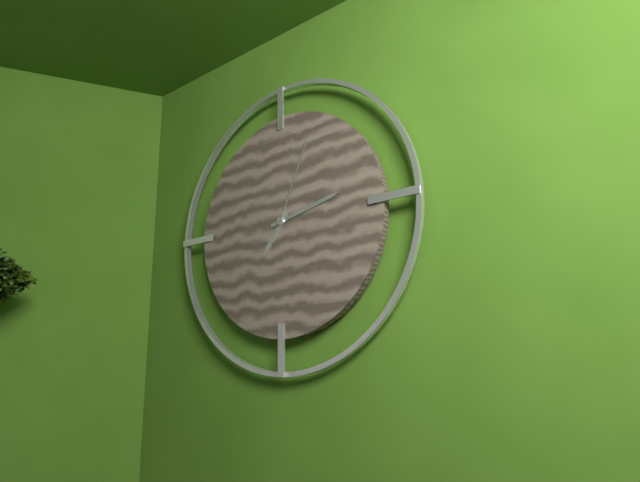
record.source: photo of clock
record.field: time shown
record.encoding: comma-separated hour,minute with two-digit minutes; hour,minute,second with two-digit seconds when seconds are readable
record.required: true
7,13,04
